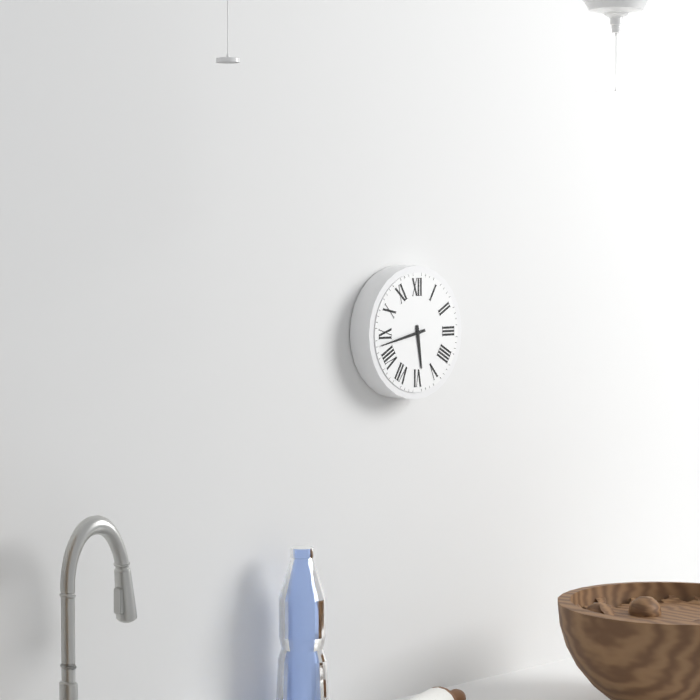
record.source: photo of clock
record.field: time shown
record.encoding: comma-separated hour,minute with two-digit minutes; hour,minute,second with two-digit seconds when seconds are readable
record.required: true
5,43
